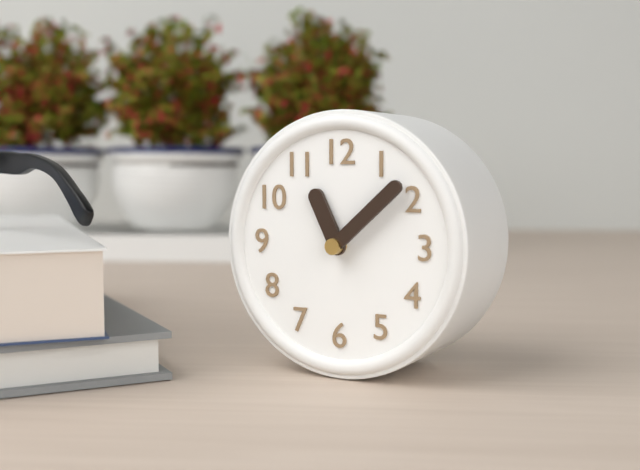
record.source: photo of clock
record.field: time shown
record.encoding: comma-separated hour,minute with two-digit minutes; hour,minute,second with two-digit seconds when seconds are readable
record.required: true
11,08
